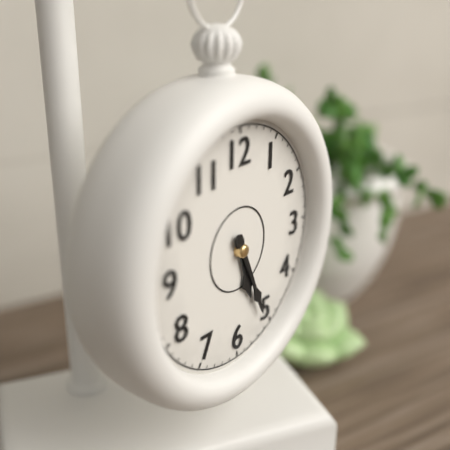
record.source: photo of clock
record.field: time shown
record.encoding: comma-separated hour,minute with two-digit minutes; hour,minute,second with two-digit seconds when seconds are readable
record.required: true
5,26
